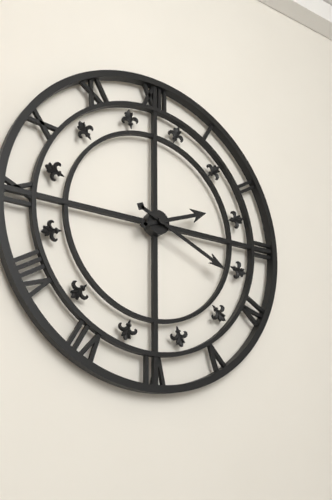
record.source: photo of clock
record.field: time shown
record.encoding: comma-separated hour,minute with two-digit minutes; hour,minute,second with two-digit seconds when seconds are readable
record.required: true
2,19
